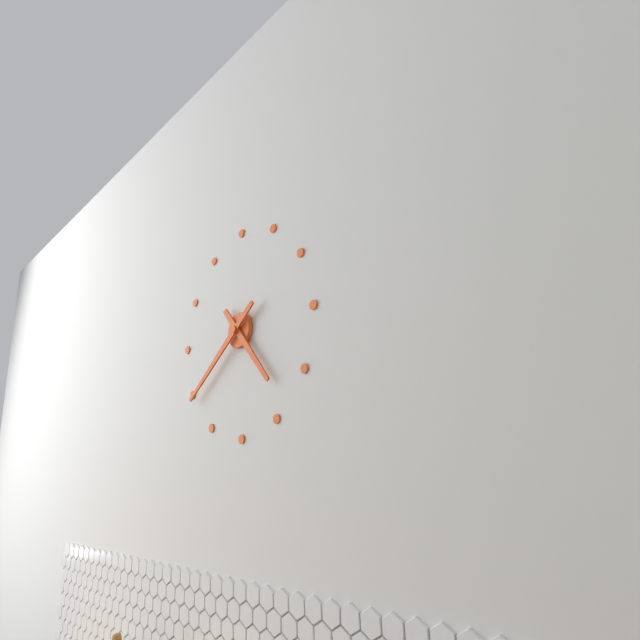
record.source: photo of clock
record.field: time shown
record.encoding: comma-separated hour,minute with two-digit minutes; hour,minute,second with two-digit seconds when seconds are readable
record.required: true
4,39
